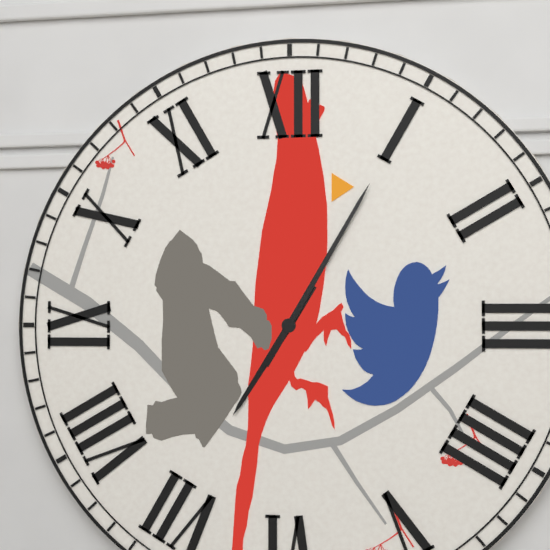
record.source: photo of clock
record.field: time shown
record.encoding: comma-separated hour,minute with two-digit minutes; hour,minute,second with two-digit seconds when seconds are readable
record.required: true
7,05
